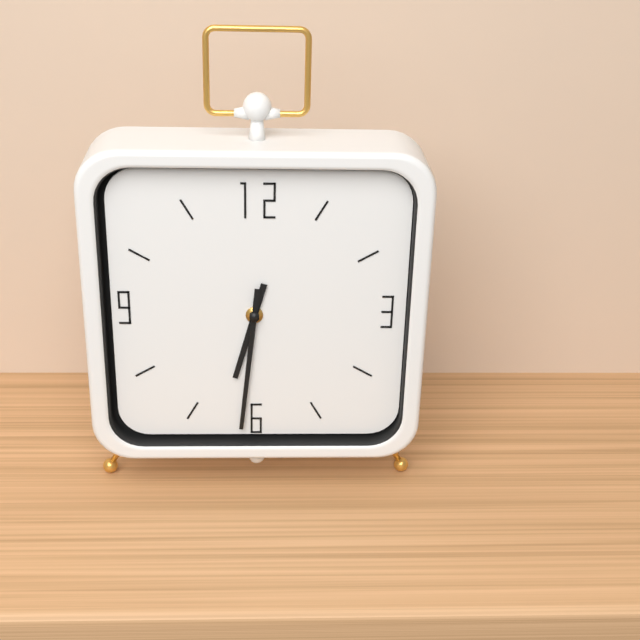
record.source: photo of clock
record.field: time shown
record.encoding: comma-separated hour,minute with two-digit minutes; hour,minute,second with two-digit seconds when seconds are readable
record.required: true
6,31
